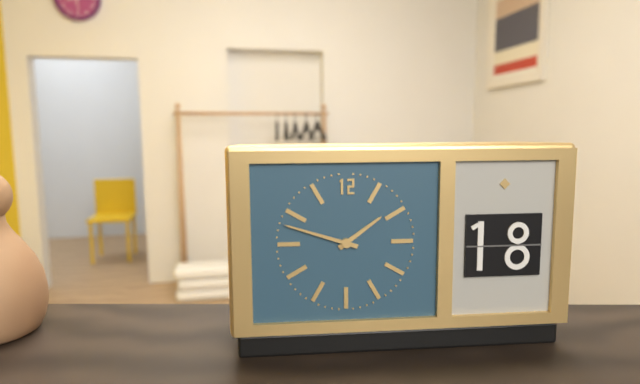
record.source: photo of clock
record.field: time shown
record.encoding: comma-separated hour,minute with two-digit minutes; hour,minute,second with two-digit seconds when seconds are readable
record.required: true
1,48
